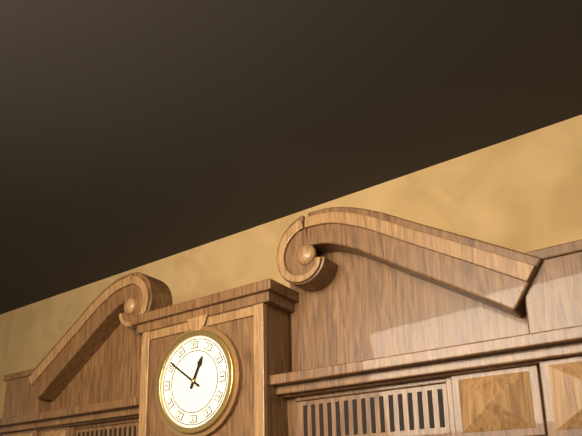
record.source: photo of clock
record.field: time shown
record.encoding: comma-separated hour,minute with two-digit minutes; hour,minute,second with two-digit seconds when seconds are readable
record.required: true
12,51
